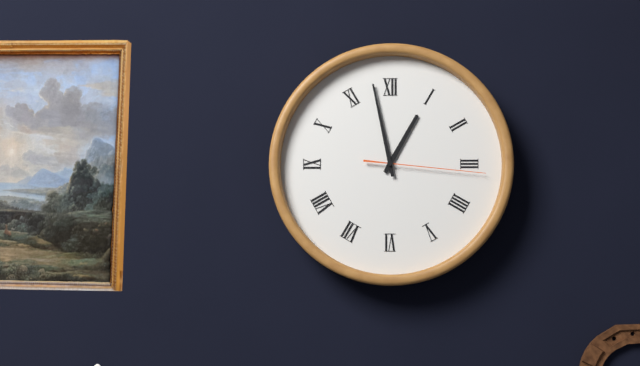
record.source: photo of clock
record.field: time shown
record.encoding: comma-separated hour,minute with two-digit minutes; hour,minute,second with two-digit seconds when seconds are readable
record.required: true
12,58,16
